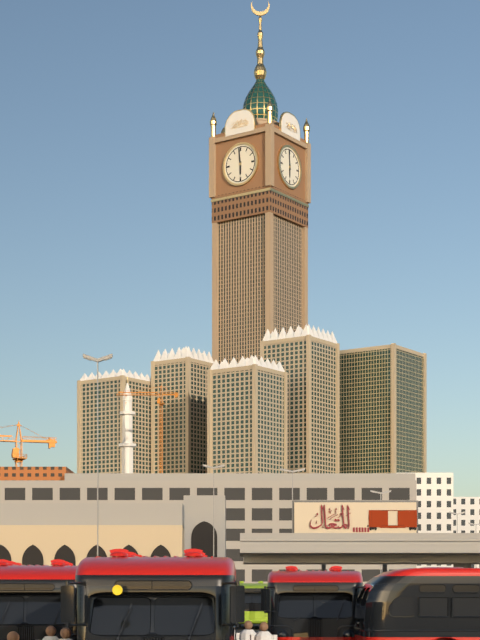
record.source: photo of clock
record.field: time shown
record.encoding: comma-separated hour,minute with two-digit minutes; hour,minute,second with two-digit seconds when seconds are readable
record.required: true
5,59
